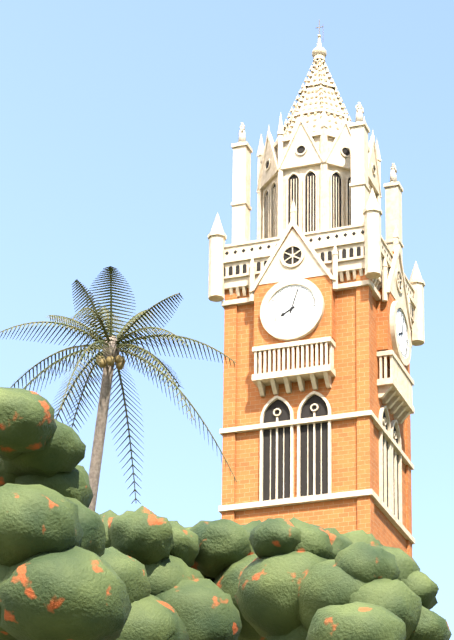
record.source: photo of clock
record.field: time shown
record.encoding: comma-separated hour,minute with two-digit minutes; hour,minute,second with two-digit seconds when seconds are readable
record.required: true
8,03
